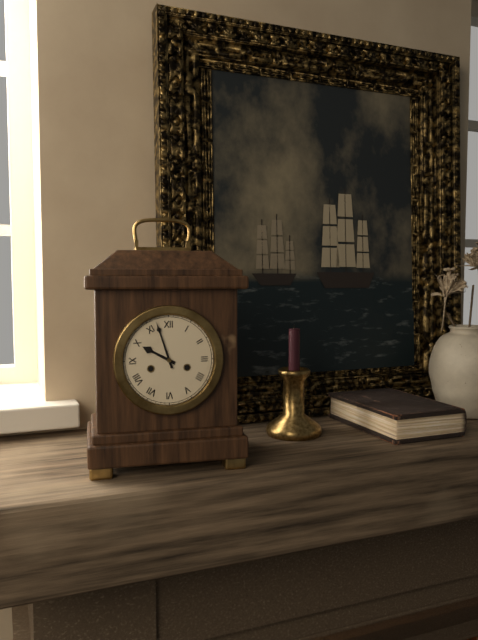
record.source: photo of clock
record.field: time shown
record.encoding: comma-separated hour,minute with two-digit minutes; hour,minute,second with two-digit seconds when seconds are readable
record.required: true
9,57
